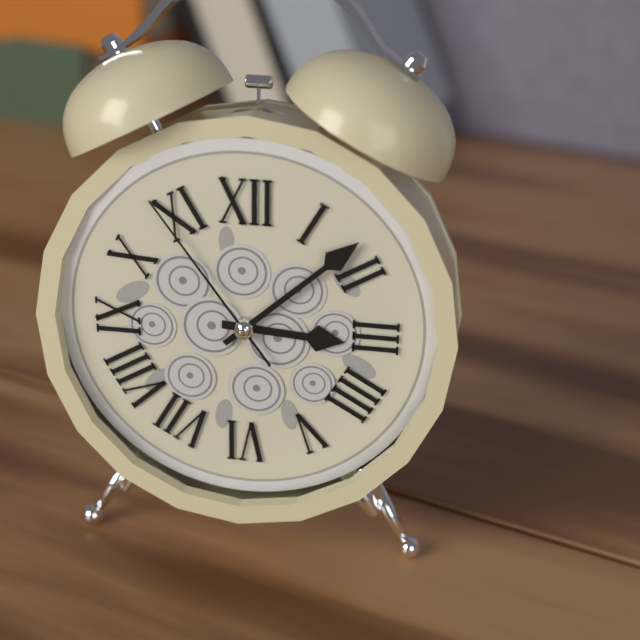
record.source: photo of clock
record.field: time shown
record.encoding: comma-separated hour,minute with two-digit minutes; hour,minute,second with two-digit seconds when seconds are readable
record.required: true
3,08,54
